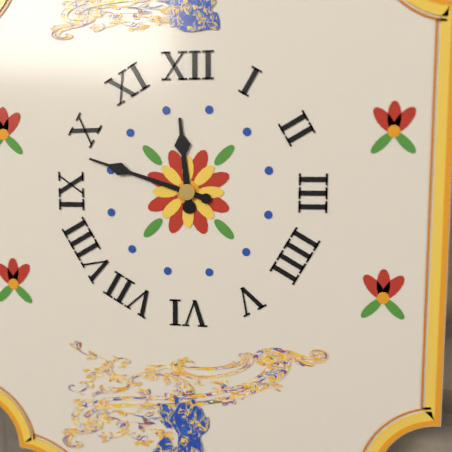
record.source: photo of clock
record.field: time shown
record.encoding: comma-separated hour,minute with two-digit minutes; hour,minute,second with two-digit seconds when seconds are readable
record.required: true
11,48
